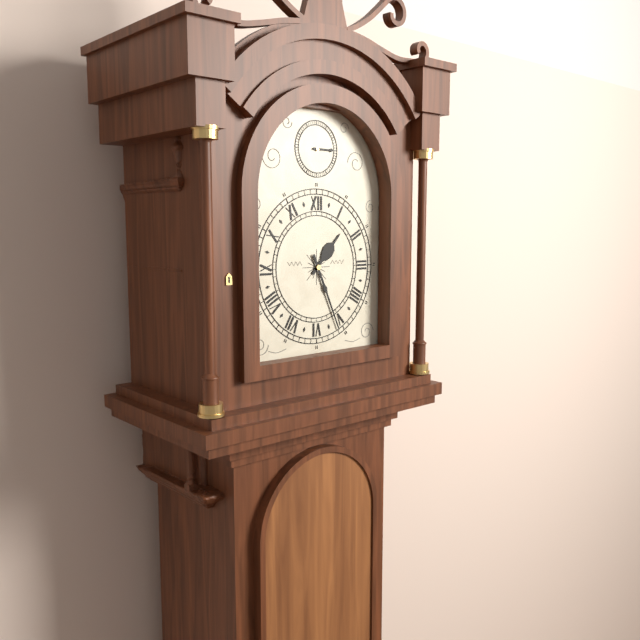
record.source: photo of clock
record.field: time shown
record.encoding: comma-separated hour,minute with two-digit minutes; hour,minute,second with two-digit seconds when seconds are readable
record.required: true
1,26
